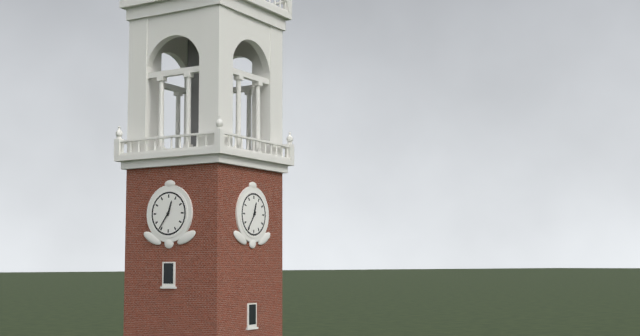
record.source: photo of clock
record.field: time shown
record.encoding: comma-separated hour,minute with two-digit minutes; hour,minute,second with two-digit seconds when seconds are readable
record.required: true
12,36
